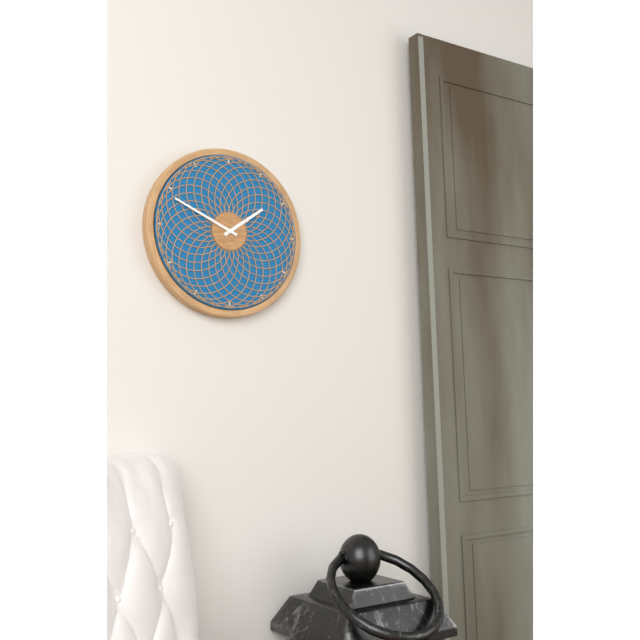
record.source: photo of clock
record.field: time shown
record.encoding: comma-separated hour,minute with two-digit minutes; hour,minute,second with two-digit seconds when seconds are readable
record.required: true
1,49
